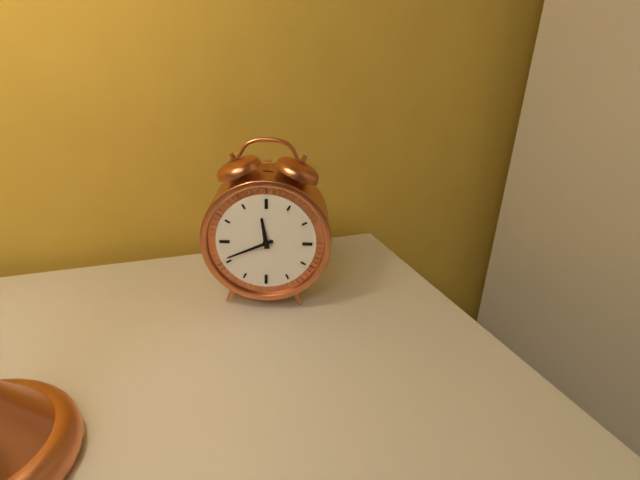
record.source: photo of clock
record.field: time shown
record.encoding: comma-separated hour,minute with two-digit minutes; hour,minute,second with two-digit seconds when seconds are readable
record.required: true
11,41
